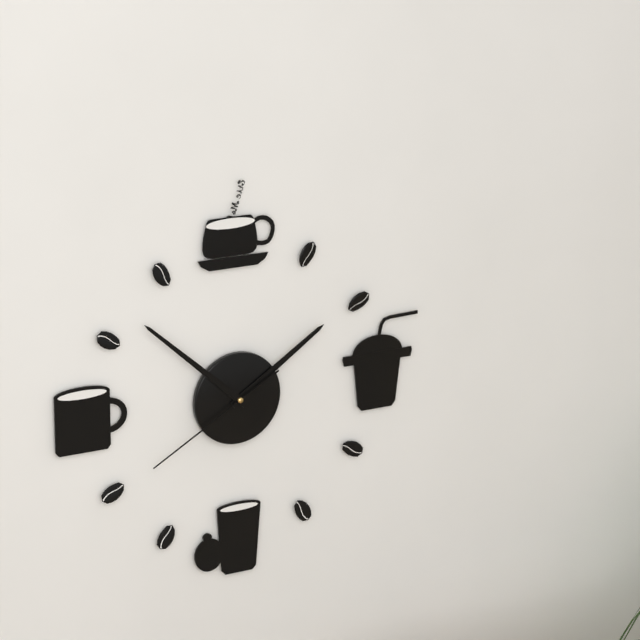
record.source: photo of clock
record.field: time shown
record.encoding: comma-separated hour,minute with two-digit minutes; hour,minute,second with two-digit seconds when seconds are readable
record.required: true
1,52,40
